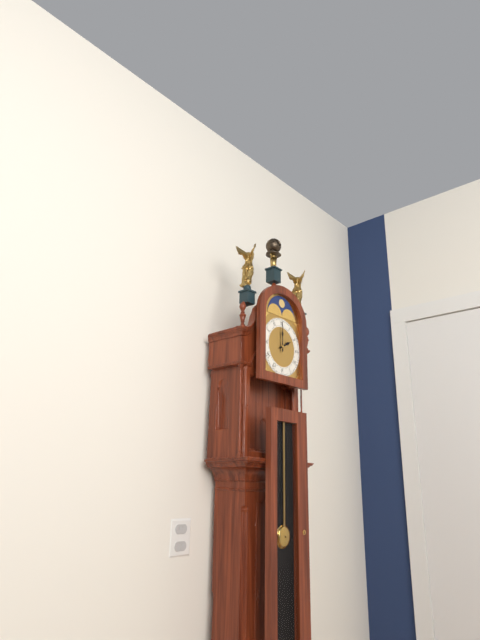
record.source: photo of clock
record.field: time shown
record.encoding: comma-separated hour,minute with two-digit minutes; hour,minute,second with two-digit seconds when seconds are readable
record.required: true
2,00
